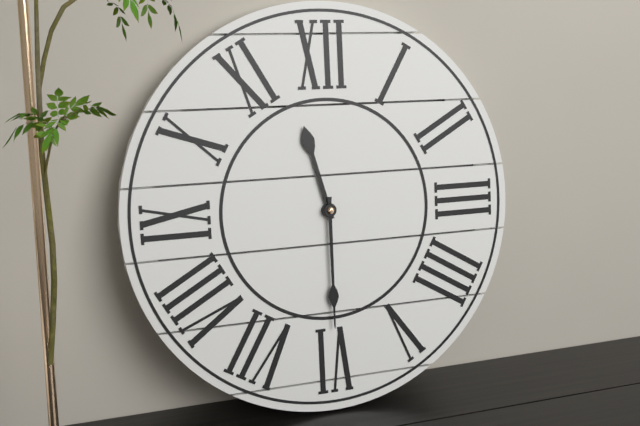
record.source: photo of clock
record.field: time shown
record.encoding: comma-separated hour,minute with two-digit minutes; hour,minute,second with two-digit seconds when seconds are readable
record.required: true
11,30
